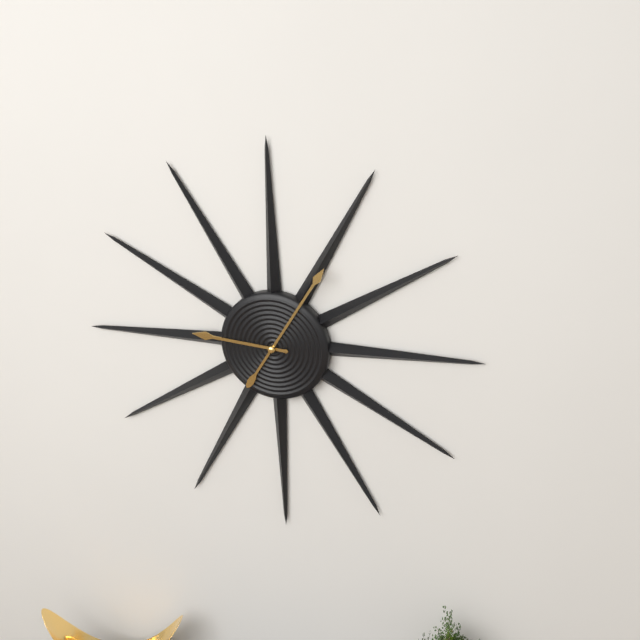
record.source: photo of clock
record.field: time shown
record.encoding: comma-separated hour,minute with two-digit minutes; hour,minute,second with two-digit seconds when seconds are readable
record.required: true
9,05
